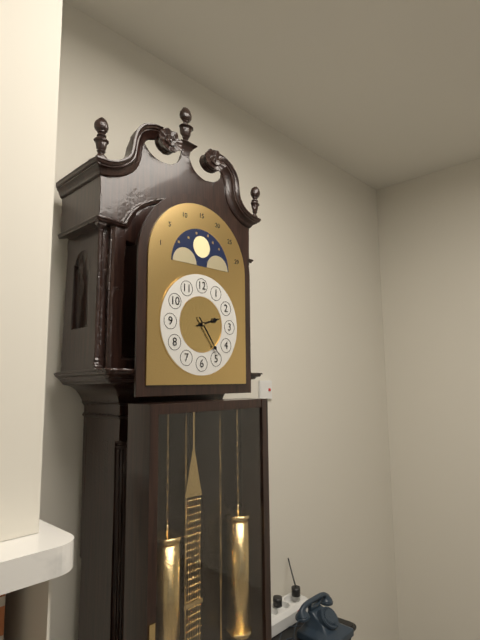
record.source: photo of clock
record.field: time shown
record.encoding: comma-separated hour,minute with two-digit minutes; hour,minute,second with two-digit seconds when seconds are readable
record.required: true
2,24
